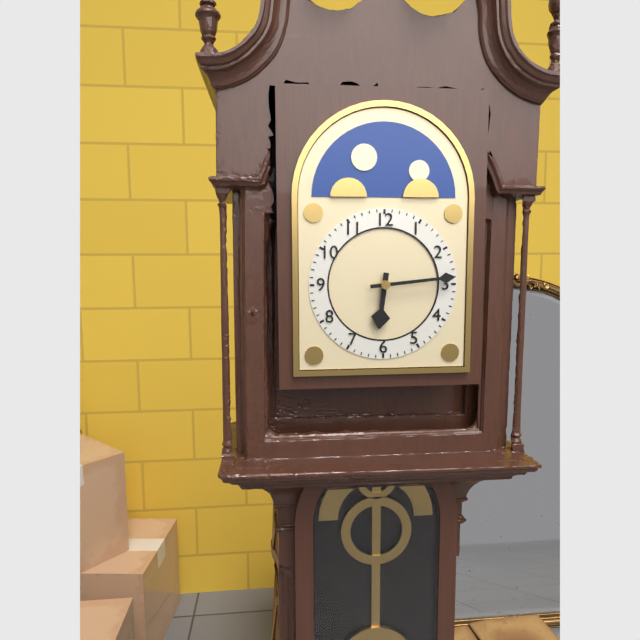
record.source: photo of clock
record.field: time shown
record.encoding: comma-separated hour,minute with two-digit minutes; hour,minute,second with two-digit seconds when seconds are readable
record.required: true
6,14
